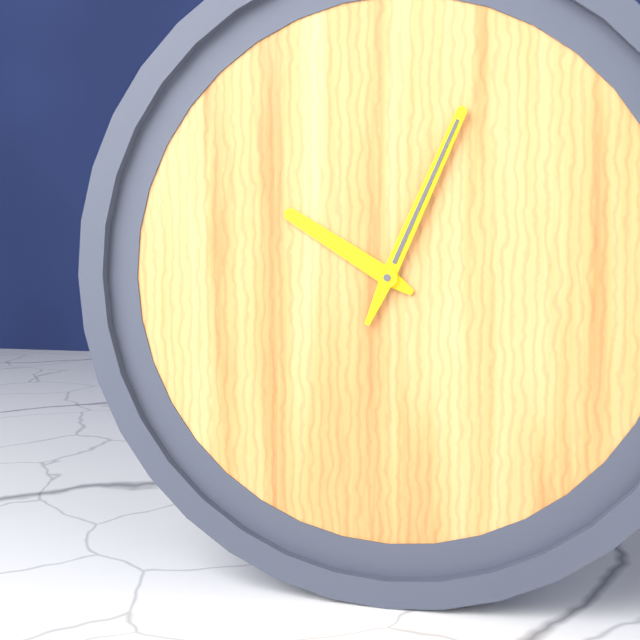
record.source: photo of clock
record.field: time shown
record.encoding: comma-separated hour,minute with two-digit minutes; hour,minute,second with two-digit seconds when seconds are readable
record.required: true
10,04
